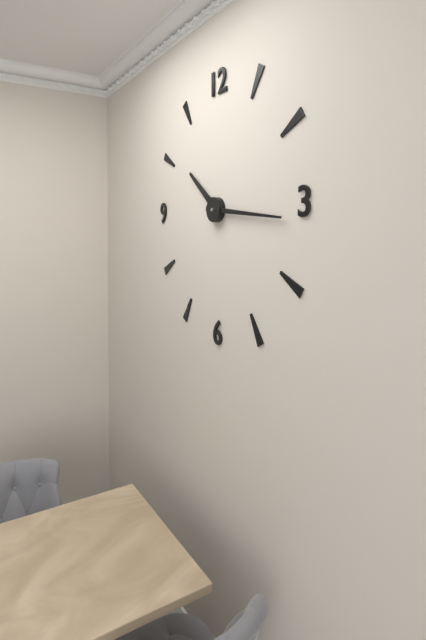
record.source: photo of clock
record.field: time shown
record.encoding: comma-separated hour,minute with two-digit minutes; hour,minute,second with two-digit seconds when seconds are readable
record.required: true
10,16
